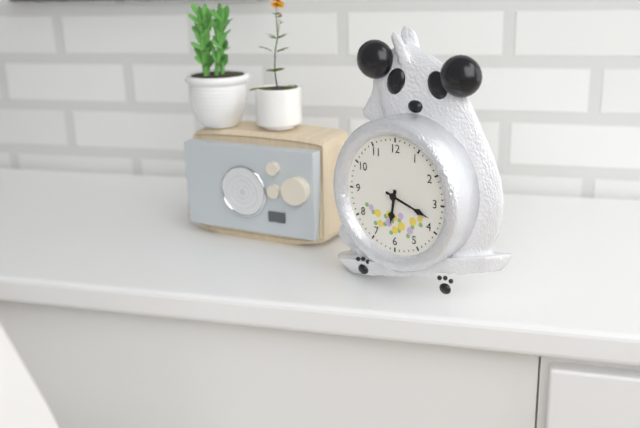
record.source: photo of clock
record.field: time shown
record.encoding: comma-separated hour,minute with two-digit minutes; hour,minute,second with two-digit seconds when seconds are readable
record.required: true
6,18
